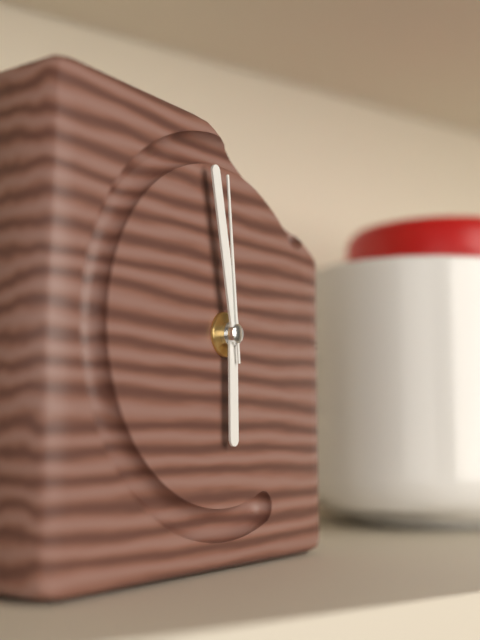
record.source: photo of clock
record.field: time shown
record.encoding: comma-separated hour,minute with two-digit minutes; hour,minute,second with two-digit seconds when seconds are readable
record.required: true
5,58,59
